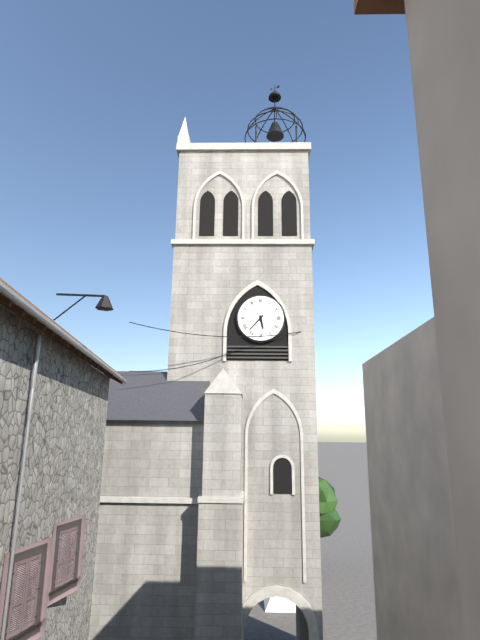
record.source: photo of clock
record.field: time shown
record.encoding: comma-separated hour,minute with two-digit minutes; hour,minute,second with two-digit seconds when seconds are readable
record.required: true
5,37
